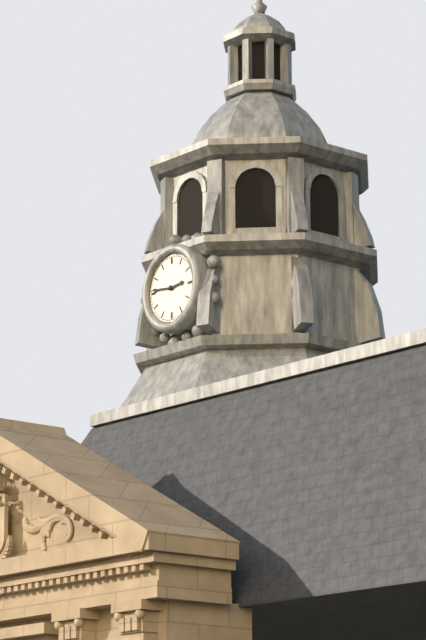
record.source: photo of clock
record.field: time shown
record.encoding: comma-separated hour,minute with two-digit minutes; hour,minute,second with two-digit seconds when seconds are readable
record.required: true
2,46
